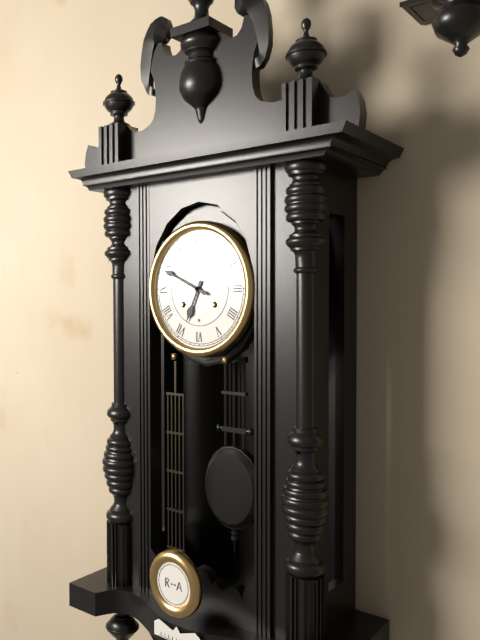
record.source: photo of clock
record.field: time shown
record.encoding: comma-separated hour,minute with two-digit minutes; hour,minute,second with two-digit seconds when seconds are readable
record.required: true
6,49
